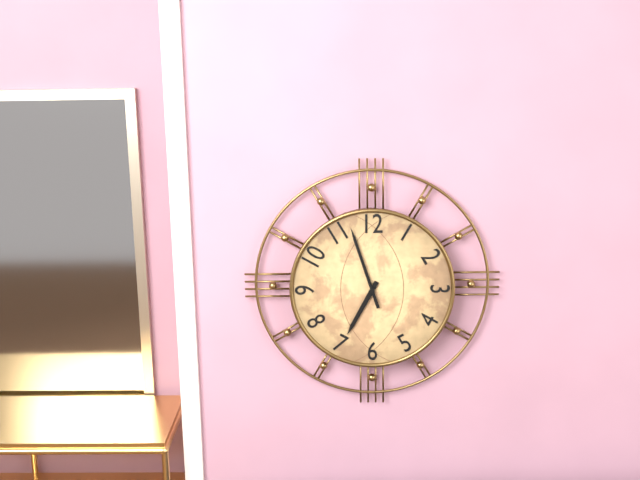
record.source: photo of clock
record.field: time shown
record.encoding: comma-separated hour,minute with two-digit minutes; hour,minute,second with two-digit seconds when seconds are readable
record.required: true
6,57
